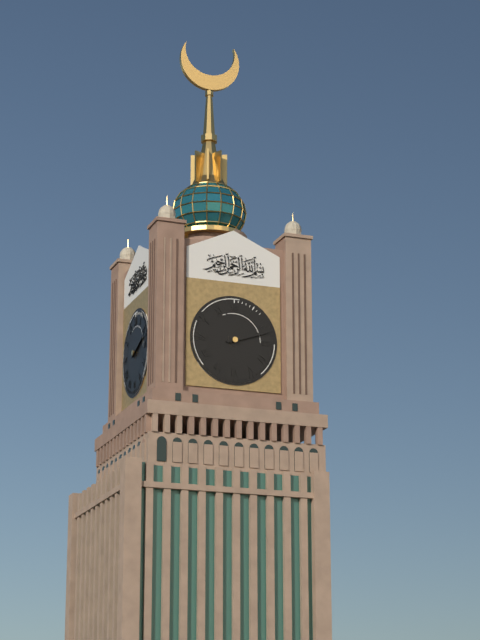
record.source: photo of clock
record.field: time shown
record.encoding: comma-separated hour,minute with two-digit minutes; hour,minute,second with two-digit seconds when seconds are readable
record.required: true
2,12
